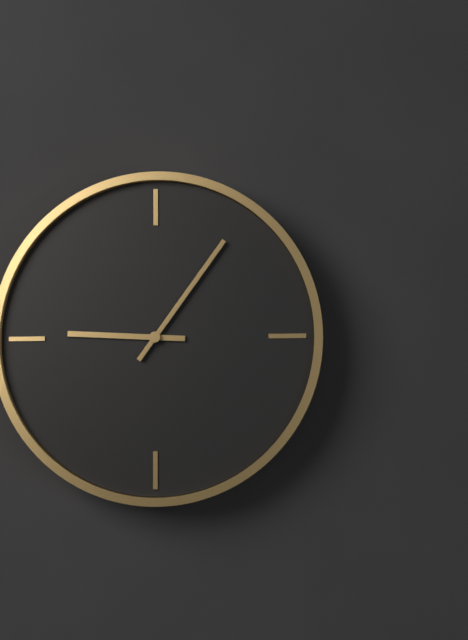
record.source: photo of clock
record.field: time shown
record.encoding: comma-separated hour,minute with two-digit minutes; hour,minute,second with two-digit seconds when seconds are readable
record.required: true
9,06
